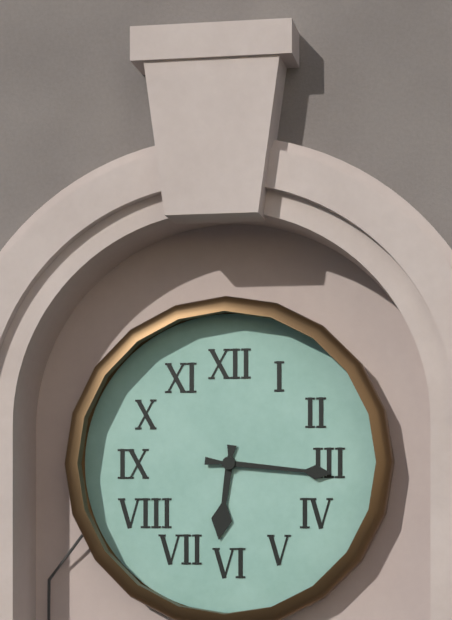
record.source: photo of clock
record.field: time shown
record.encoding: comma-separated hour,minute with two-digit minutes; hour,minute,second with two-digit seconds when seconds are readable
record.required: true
6,16
